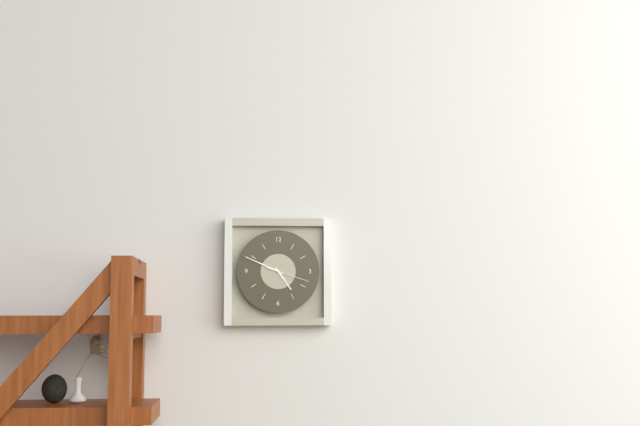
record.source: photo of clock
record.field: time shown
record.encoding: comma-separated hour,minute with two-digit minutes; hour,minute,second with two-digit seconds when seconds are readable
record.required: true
4,49
